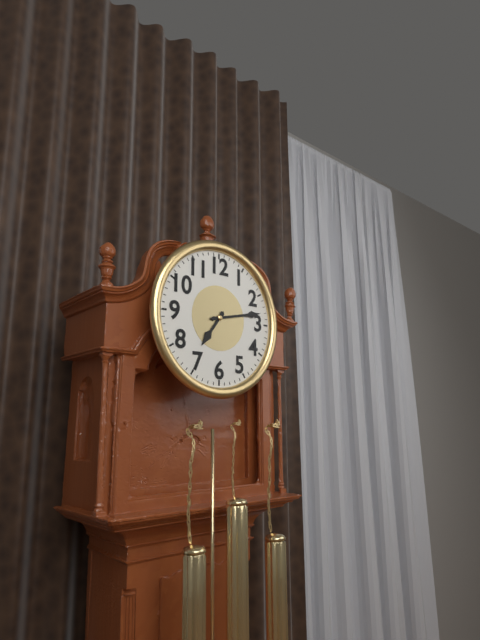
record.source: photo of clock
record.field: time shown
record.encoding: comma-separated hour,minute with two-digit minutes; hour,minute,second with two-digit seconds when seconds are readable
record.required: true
7,13
